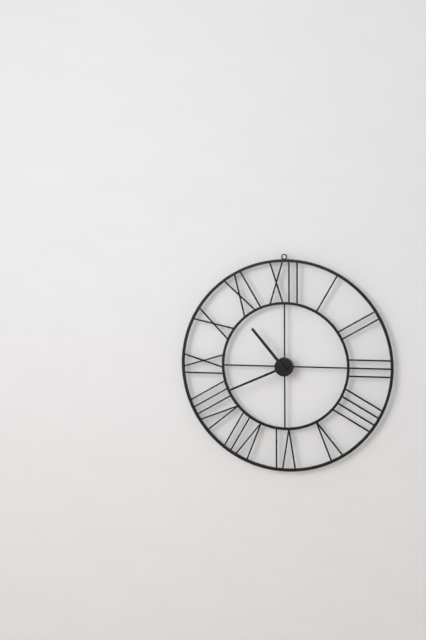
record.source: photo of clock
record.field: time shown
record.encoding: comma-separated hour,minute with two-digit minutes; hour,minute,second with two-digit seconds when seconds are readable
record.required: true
10,41
